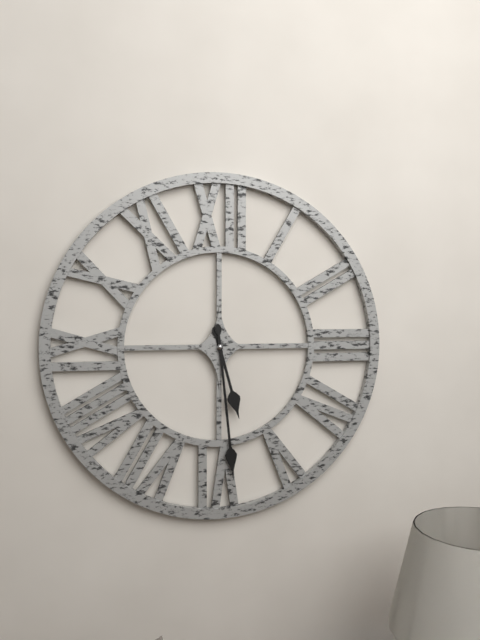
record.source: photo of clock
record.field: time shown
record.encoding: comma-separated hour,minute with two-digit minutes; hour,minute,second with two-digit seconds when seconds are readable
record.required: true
5,29
